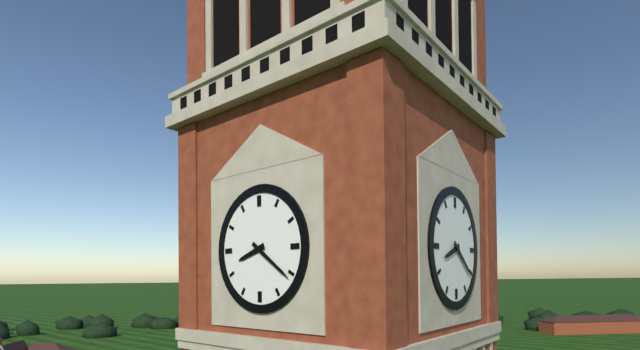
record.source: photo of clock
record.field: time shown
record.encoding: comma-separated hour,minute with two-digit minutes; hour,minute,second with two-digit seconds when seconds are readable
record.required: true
8,21
